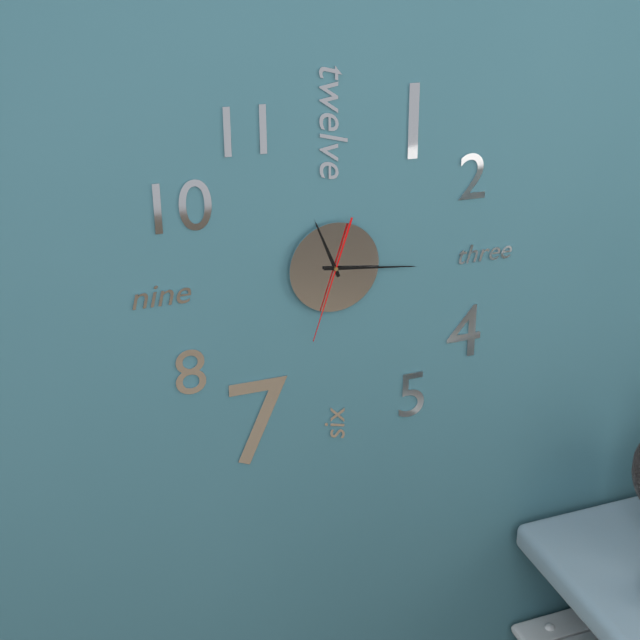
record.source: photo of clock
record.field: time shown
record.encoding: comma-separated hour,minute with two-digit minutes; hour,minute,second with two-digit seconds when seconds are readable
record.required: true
11,16,33
